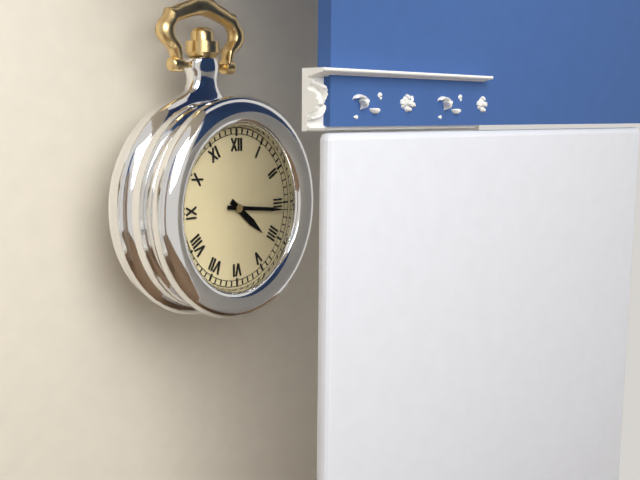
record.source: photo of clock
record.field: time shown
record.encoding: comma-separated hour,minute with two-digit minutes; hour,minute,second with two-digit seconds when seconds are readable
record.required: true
4,16
